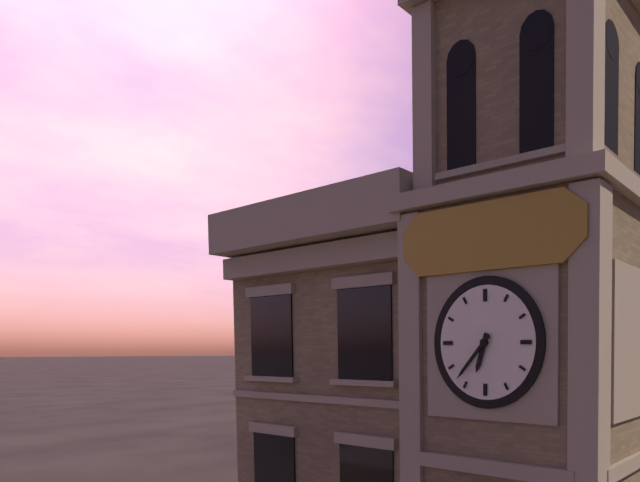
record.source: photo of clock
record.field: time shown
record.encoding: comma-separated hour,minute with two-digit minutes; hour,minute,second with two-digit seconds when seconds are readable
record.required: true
6,37
